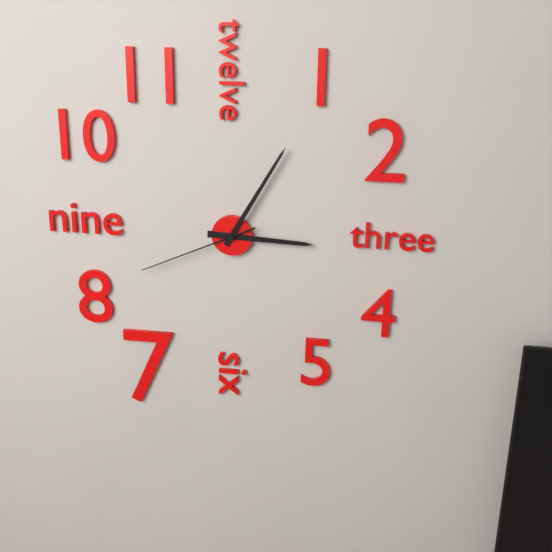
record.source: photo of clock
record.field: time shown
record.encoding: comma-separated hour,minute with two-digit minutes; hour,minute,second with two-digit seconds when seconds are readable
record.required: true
3,05,41
